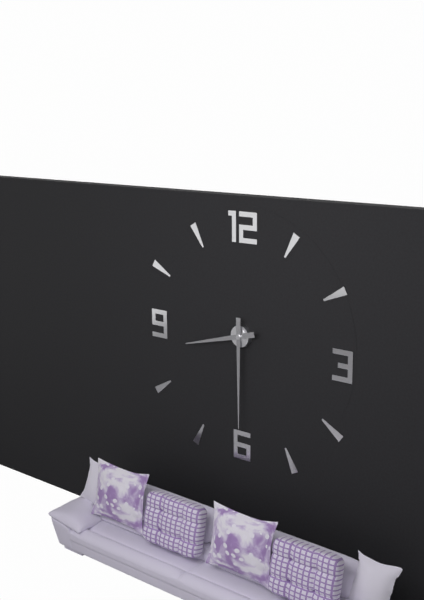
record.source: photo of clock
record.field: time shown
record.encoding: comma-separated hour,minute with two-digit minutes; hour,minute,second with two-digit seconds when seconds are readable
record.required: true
8,30
